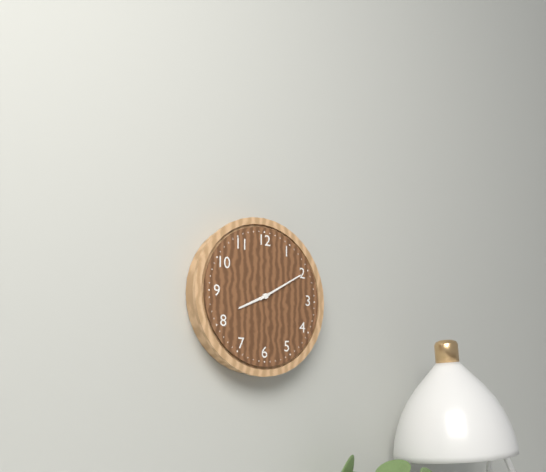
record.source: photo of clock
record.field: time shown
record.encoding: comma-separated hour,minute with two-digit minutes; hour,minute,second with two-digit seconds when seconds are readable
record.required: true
8,10
